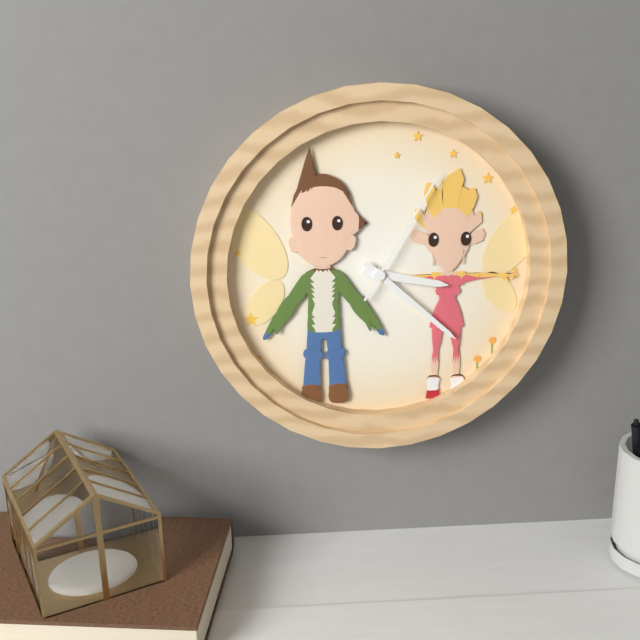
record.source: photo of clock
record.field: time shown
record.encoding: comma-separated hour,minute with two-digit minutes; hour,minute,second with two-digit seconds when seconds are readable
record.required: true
3,22,05
